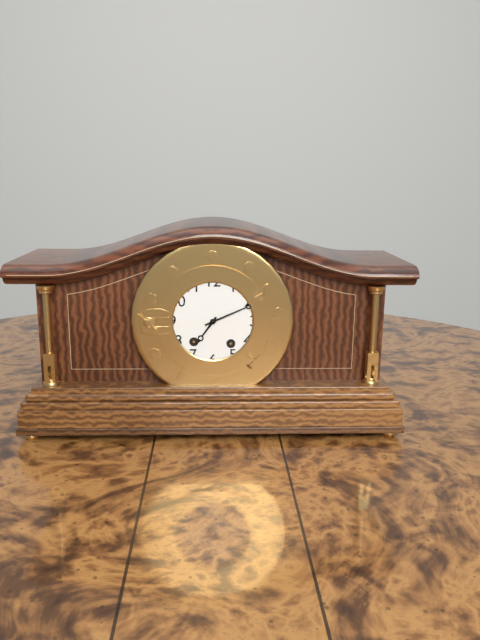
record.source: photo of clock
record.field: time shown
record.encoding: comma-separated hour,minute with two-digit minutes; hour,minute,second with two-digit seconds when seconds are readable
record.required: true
7,11
